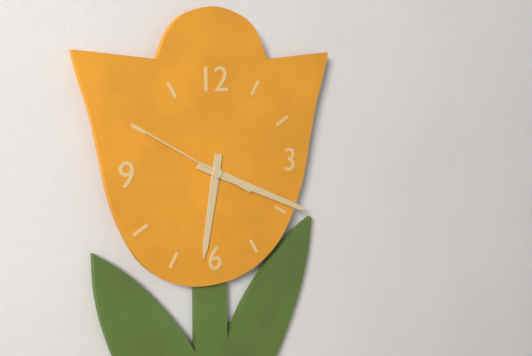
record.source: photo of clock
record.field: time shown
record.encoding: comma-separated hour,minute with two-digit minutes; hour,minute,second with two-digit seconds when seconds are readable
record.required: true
6,19,50
